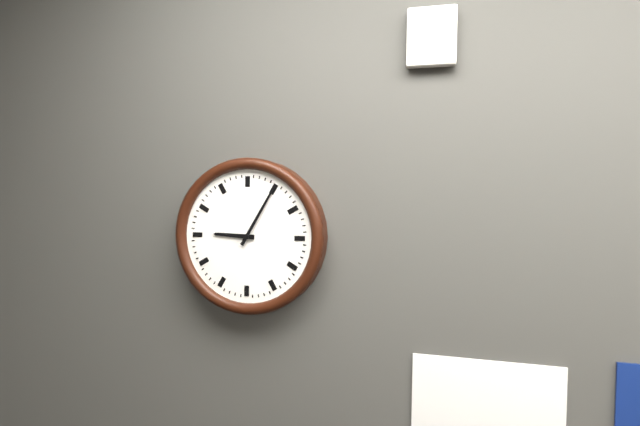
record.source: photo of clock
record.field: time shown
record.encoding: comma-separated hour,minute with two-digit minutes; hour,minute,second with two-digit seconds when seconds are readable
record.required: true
9,05
